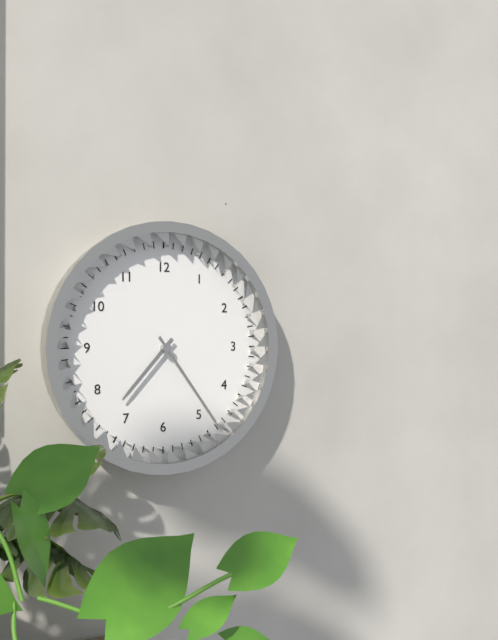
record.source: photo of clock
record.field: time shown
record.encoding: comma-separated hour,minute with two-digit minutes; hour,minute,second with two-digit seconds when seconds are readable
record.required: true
7,24
